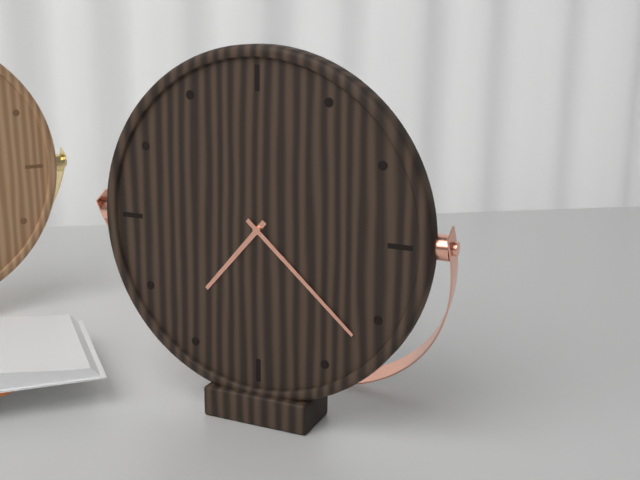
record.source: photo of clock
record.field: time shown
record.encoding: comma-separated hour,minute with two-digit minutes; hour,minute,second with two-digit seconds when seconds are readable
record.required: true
7,22
